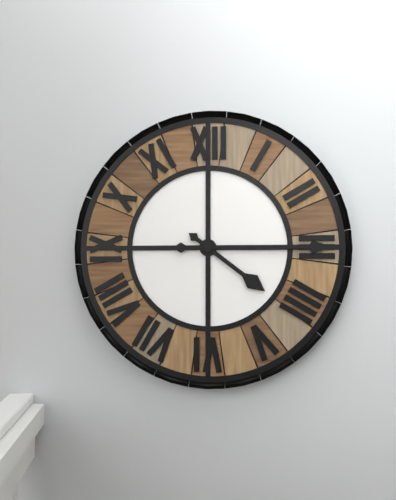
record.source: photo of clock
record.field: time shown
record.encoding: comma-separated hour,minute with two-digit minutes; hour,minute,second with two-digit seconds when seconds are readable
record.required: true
4,15
